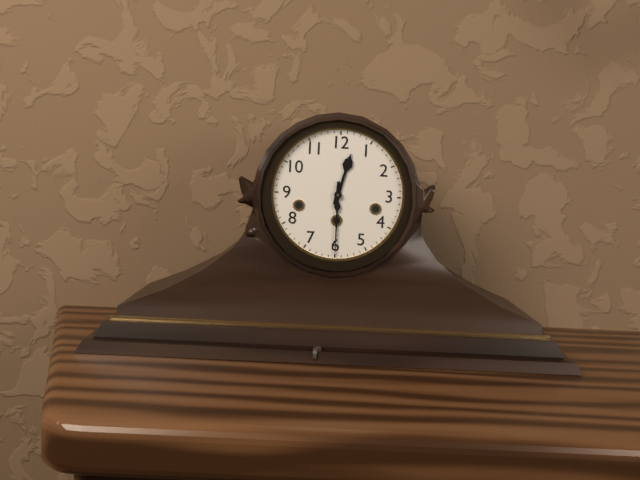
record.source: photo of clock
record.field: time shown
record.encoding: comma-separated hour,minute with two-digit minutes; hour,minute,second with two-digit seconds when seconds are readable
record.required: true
12,30
